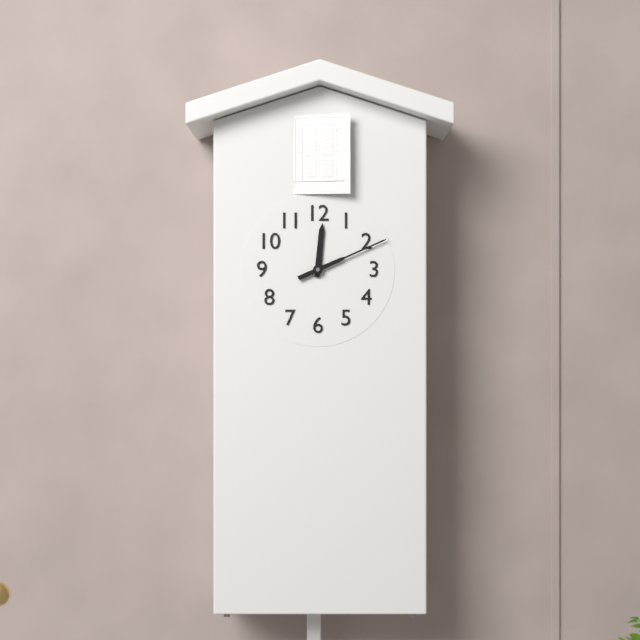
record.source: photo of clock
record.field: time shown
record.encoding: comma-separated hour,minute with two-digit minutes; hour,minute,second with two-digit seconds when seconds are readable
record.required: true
12,11
